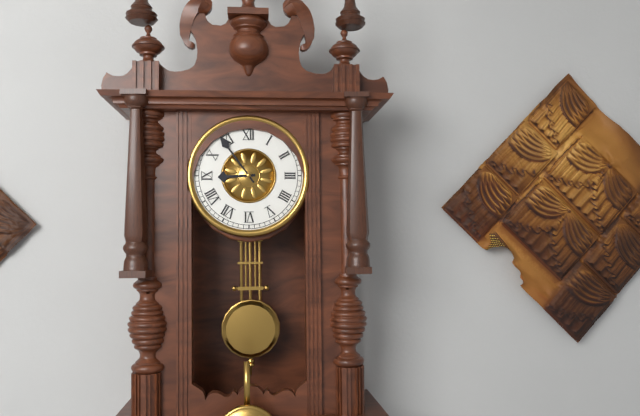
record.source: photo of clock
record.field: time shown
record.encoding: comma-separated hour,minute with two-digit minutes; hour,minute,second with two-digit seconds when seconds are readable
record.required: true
8,54
